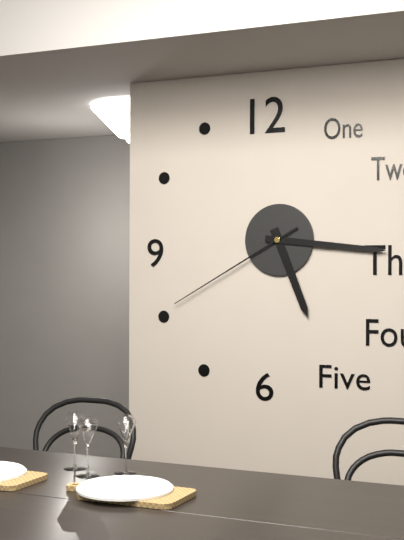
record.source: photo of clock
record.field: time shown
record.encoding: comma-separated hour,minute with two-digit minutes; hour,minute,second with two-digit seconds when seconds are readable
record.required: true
5,16,40
